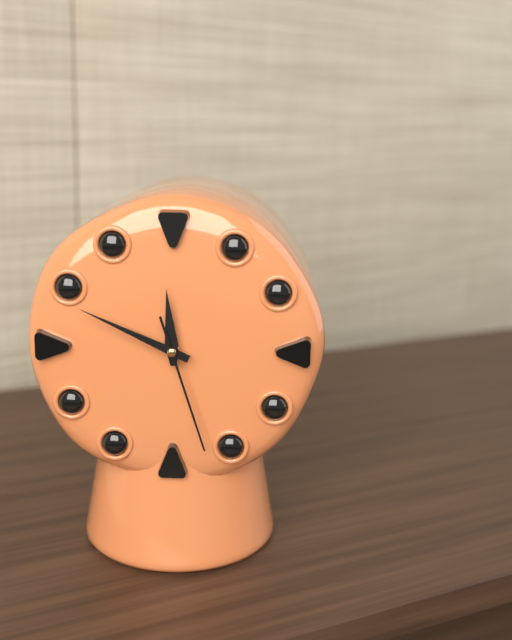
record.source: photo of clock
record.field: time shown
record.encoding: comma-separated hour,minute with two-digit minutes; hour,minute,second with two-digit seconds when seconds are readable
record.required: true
11,49,27
